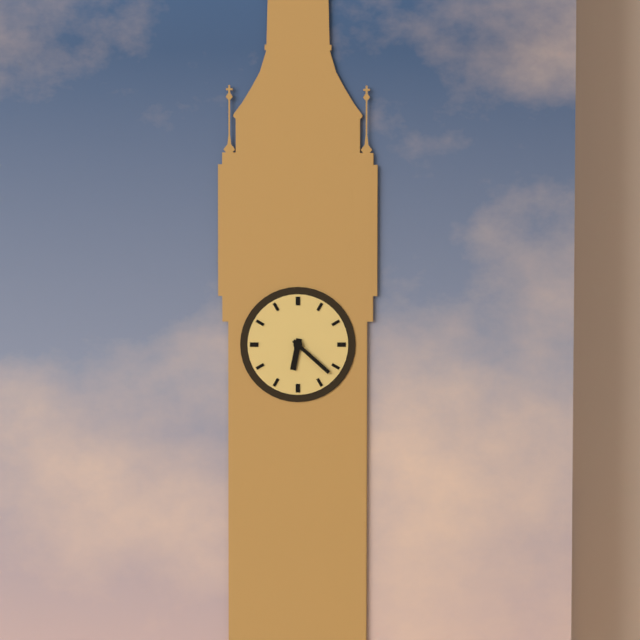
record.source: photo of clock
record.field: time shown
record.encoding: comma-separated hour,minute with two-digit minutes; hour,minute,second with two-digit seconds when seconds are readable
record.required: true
6,22
